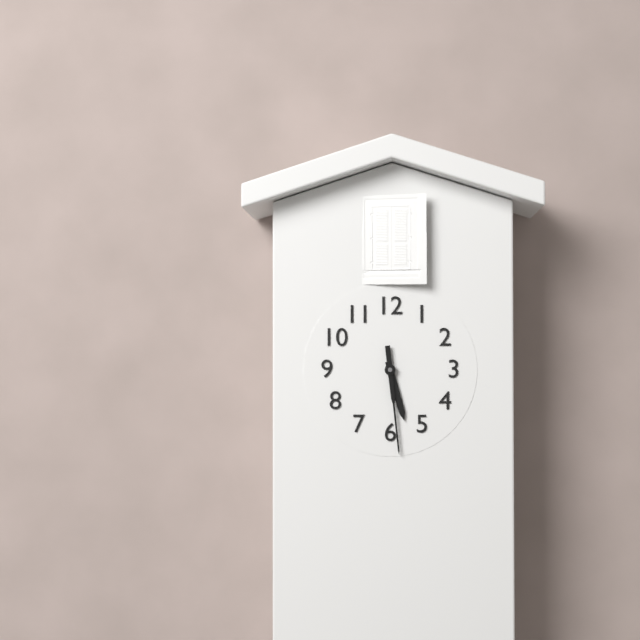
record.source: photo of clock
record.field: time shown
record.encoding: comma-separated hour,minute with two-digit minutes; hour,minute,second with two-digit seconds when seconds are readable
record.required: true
5,29
